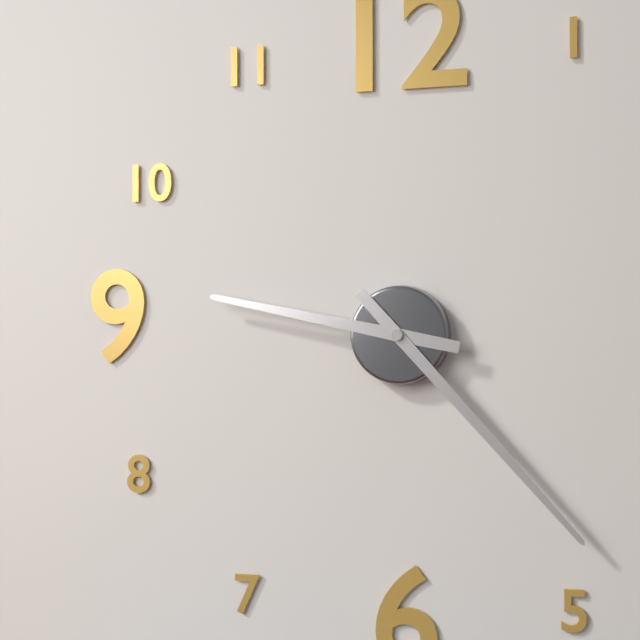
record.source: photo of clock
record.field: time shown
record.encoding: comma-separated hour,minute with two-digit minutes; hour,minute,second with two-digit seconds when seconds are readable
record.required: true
9,23
